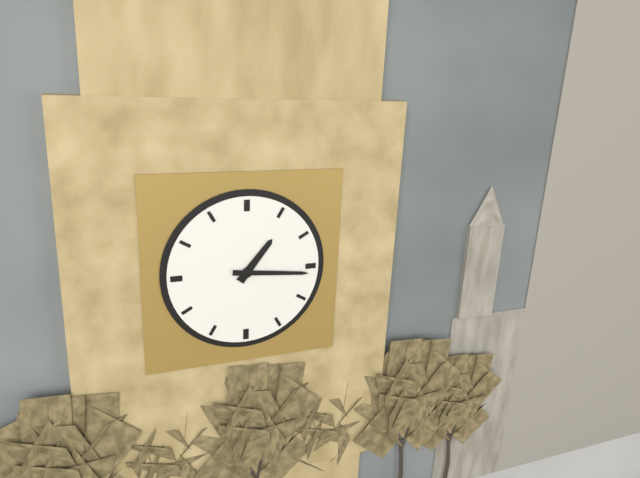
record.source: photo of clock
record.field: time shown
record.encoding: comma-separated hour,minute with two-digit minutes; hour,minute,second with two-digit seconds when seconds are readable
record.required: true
1,16
